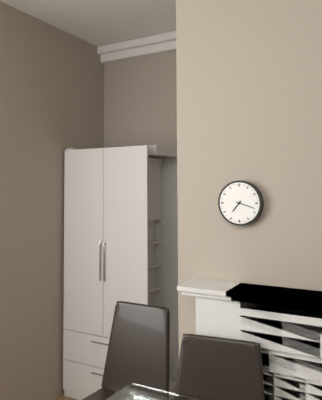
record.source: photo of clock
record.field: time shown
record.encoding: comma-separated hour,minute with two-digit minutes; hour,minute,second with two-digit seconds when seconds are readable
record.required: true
7,18
